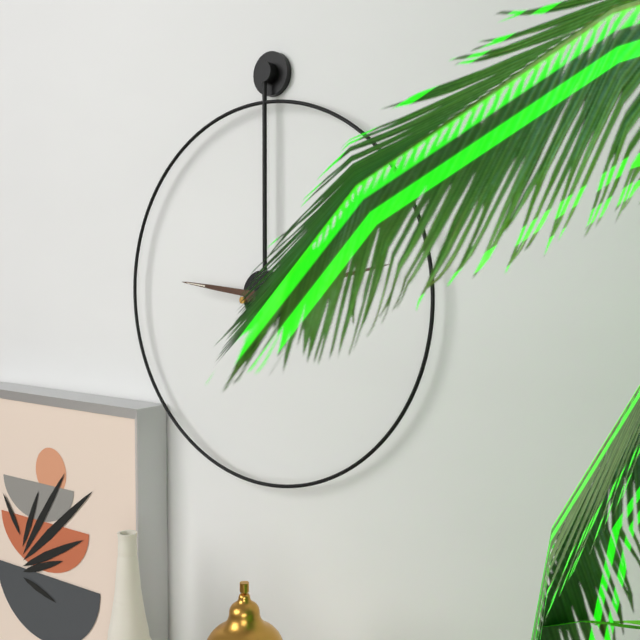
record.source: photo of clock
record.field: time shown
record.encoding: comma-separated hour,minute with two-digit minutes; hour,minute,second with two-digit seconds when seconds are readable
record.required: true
9,13
